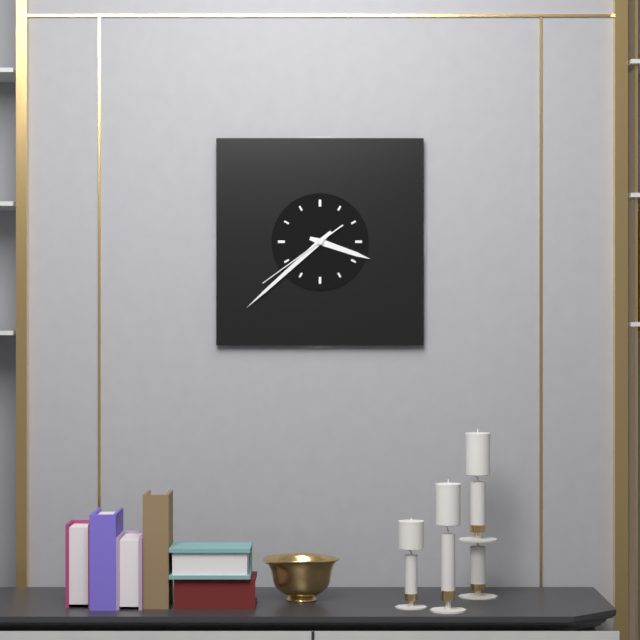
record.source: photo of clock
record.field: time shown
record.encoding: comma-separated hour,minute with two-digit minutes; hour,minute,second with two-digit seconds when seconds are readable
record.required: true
3,38,39
